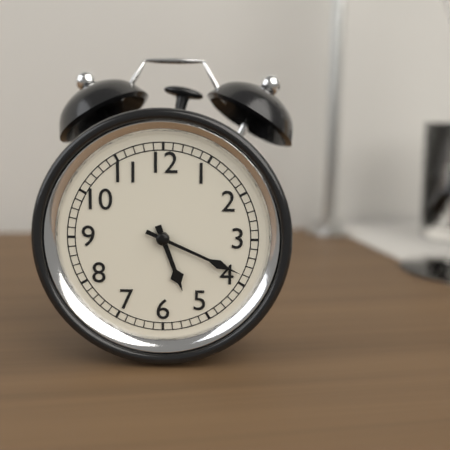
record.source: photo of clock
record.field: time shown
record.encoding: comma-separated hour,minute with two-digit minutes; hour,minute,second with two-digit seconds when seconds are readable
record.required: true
5,19
